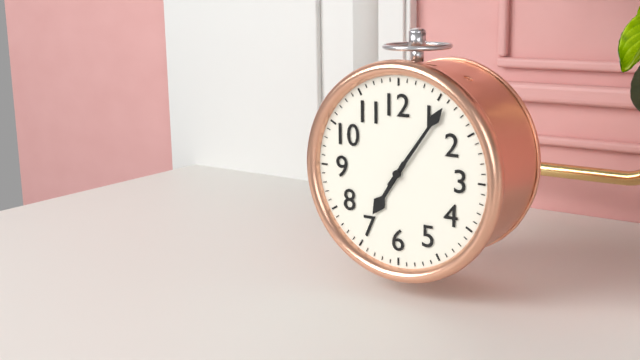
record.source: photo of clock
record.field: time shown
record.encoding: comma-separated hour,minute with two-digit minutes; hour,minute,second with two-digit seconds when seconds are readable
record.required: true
7,06
